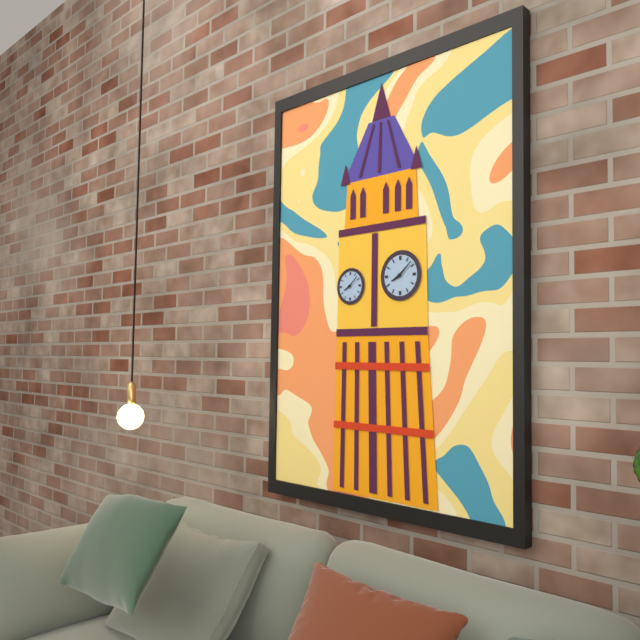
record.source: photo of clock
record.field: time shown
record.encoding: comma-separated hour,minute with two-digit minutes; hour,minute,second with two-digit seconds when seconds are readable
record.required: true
8,08
